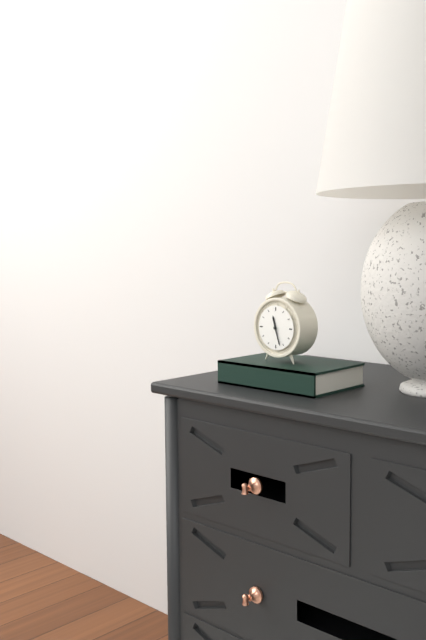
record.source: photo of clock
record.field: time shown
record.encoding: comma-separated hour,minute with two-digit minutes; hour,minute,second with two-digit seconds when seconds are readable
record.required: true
11,27
